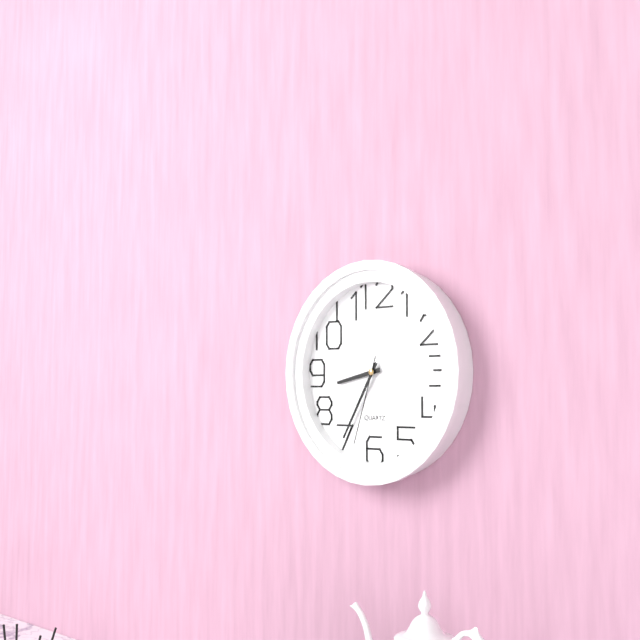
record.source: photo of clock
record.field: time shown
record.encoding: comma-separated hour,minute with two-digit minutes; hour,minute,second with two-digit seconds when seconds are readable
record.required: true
8,35,33
